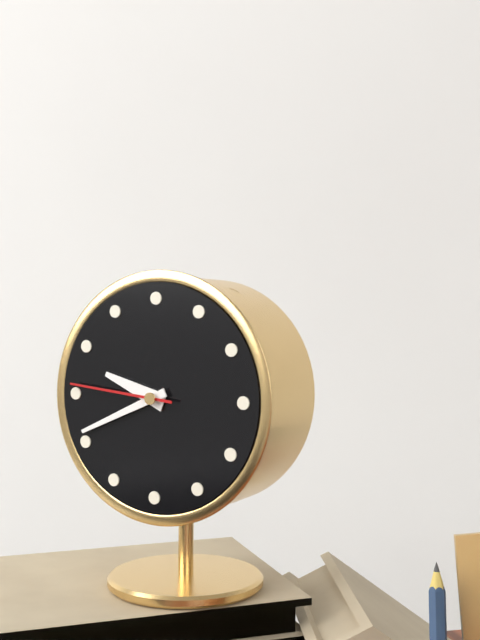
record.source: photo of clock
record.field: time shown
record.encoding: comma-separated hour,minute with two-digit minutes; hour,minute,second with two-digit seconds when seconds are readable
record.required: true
9,41,46
